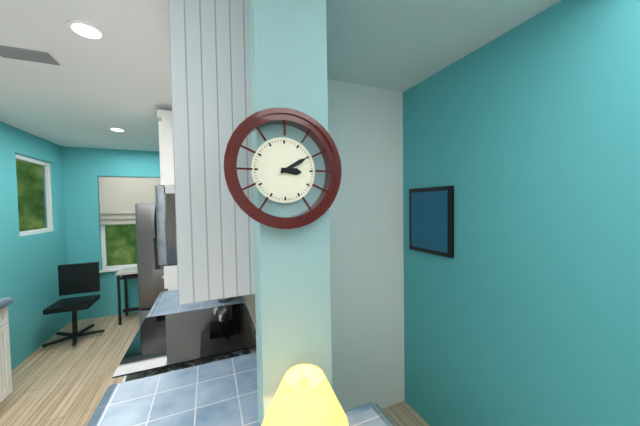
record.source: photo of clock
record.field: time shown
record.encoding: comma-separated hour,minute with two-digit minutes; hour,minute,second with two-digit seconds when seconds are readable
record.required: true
3,10
